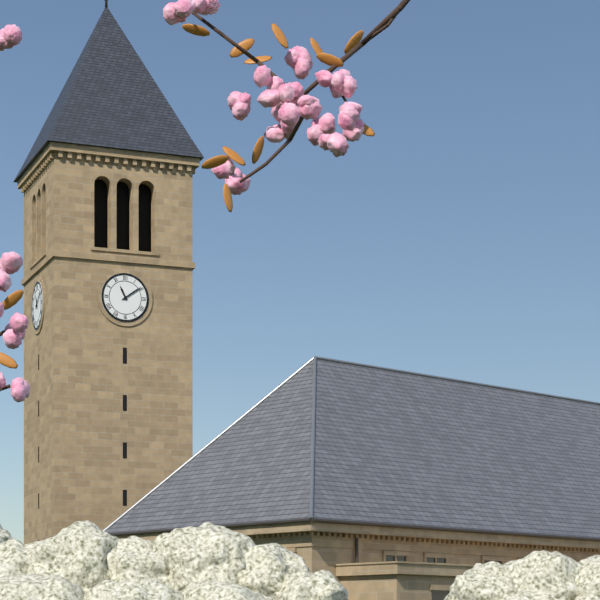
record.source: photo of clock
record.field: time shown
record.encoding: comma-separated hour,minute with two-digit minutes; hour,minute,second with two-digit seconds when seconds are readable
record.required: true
11,09
